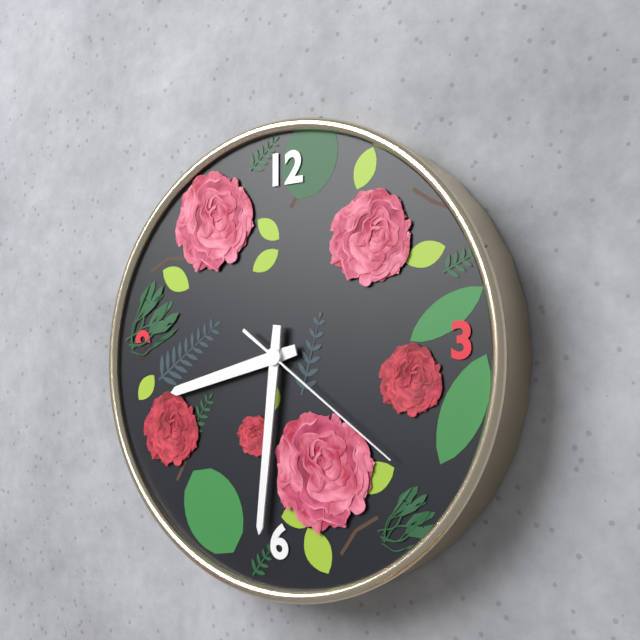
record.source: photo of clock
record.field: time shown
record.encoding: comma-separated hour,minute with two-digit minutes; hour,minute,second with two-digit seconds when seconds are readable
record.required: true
8,31,21
